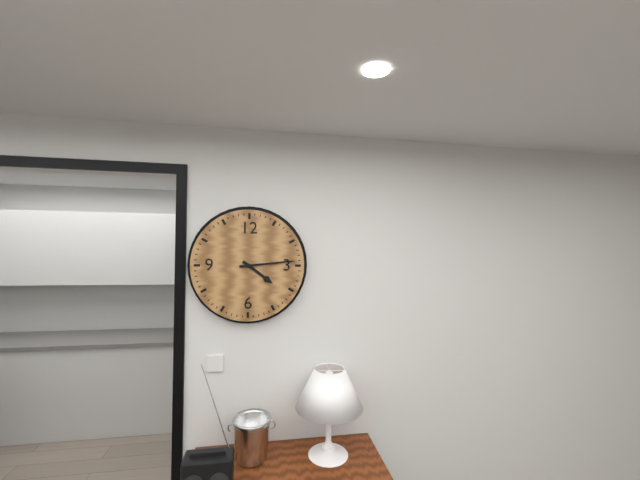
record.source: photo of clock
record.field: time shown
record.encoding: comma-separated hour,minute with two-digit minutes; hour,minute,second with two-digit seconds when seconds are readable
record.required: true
4,14
